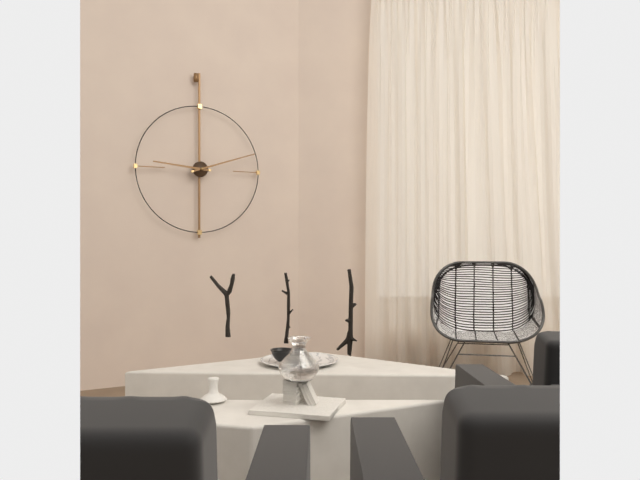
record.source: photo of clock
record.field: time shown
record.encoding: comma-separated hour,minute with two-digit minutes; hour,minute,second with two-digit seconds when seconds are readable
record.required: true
9,12
